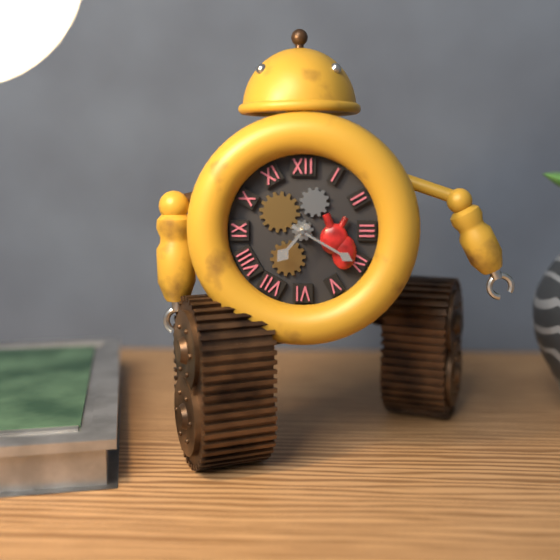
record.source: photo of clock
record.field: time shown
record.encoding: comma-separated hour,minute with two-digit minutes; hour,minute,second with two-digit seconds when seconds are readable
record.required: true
7,20
